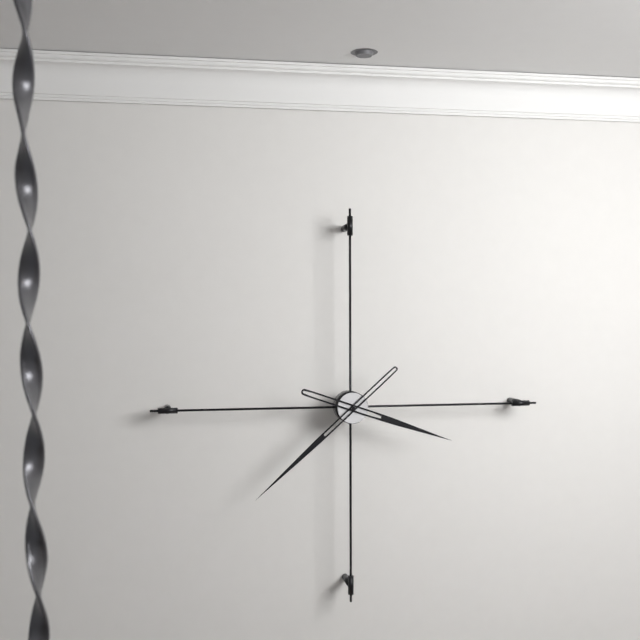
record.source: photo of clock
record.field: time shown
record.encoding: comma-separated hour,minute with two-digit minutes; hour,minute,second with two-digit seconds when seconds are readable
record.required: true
3,38
